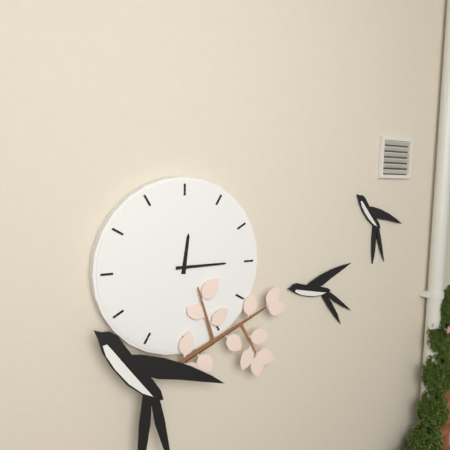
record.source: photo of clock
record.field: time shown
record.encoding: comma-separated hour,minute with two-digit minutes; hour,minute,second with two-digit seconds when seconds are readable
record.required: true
12,15
